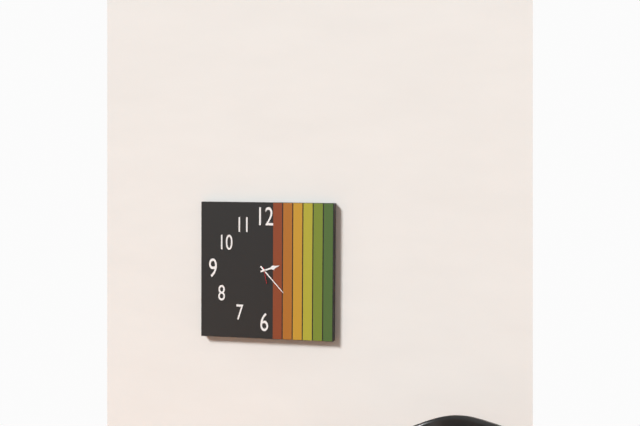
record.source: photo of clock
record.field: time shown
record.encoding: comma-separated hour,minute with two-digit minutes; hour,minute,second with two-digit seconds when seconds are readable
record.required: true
2,23
